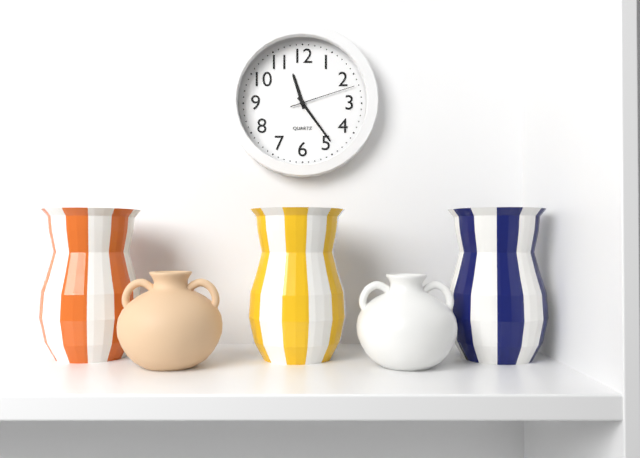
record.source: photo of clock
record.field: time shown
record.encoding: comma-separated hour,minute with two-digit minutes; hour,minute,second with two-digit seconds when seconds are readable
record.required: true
11,24,12
